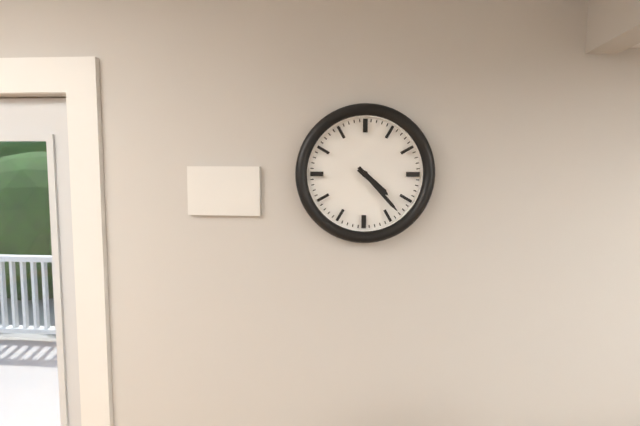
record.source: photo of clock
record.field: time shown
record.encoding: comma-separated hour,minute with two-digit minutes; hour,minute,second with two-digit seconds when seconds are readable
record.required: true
4,23
